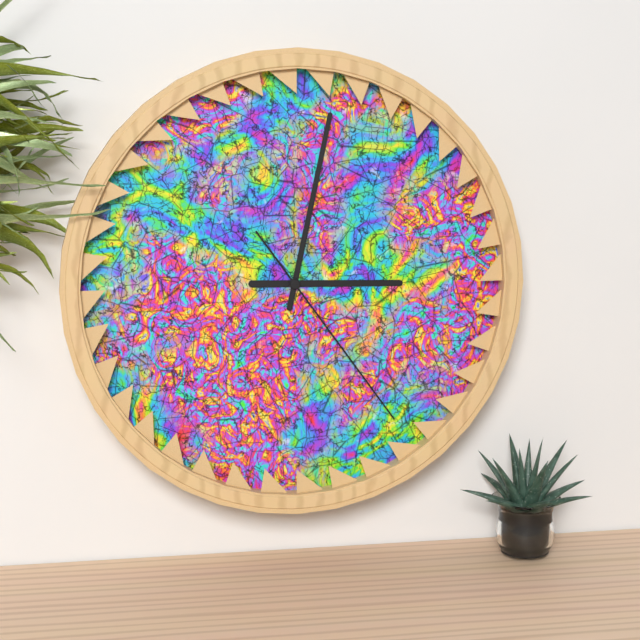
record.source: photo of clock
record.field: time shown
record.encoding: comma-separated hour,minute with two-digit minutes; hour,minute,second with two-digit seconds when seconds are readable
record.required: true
3,02,24
